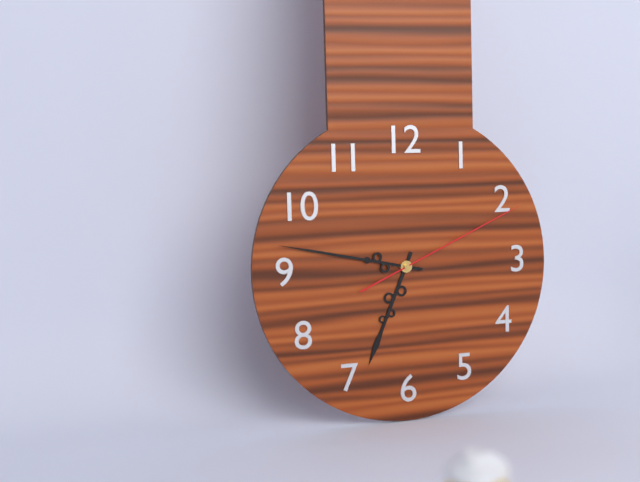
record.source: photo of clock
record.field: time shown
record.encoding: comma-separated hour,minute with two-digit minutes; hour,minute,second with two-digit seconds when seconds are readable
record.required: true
6,47,11
